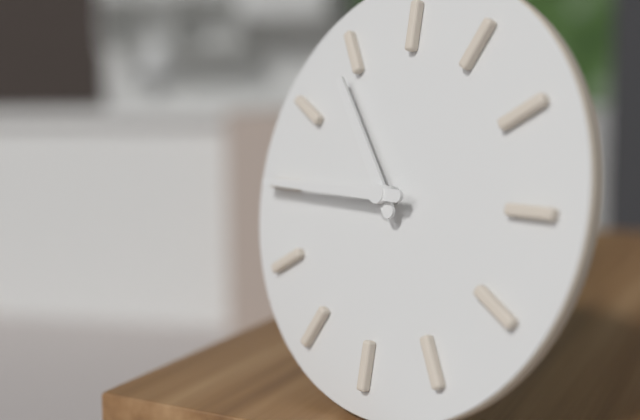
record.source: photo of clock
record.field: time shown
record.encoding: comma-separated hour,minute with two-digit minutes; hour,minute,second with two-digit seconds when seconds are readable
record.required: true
10,45
